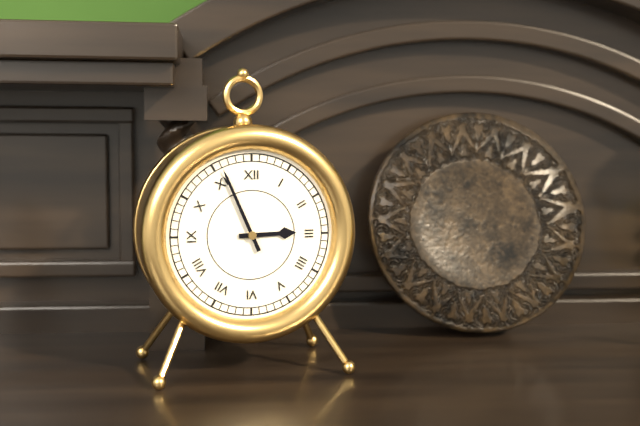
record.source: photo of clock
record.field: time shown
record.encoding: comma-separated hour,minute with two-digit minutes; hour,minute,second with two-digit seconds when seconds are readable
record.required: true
2,56
